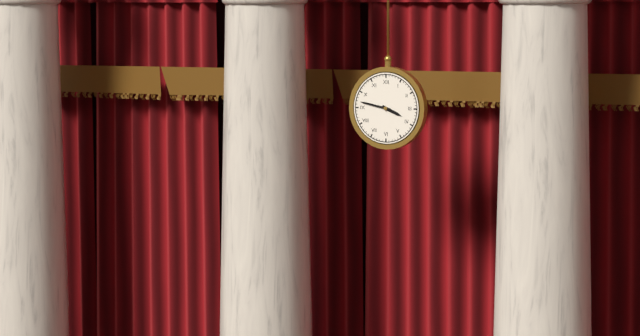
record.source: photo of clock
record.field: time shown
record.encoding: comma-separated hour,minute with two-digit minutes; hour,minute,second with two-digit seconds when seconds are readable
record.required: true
3,47
